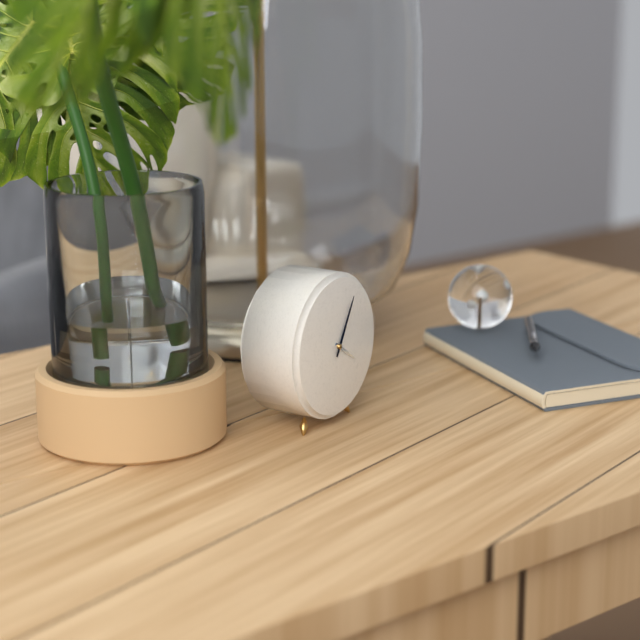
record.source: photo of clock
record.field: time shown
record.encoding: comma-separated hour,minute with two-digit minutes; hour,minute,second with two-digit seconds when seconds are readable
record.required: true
4,05
